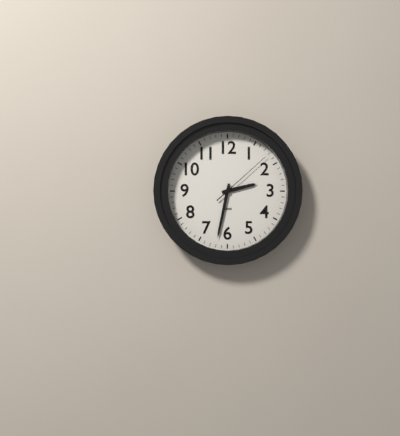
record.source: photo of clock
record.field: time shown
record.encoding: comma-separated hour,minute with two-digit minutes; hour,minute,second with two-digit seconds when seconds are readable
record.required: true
2,32,08
